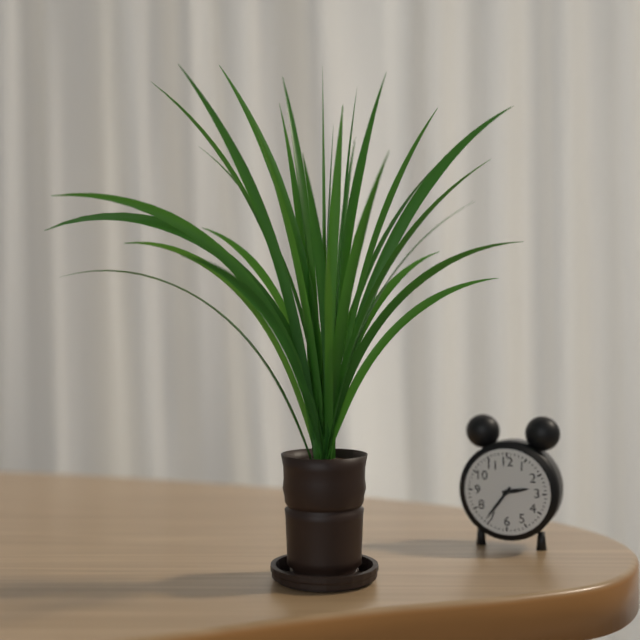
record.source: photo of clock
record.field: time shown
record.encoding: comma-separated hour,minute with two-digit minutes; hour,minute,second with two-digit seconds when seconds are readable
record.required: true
2,36
